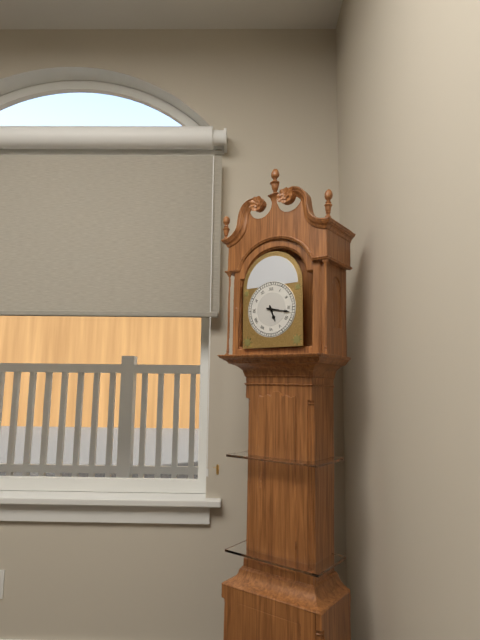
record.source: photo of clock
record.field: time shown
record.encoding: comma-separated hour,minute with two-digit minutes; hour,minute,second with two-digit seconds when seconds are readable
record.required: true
5,17
